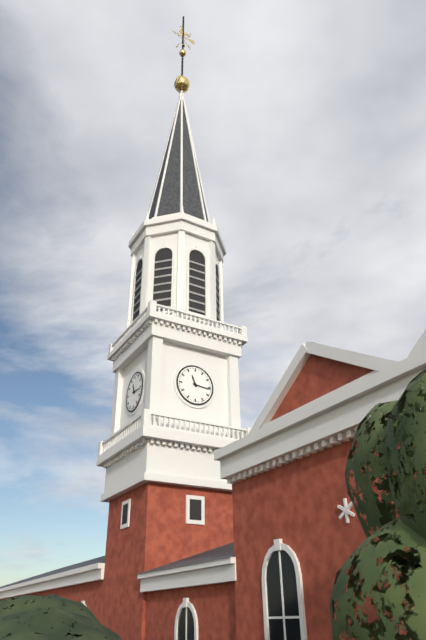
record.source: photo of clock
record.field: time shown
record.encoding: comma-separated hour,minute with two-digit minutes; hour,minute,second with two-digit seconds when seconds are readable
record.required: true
11,16
